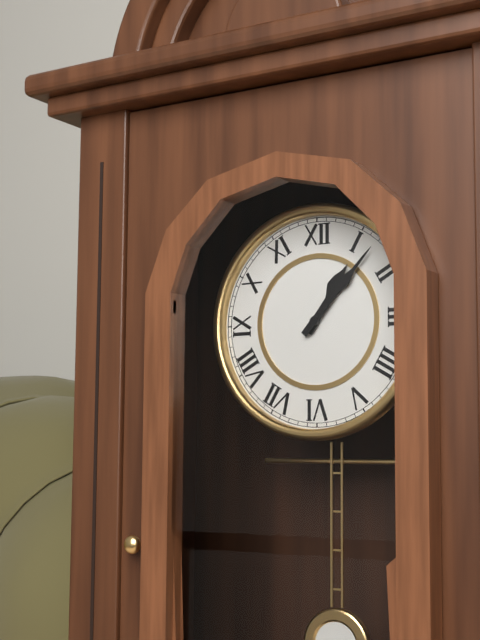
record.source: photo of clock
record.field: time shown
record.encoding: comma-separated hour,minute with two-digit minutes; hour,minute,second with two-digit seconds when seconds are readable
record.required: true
1,07
